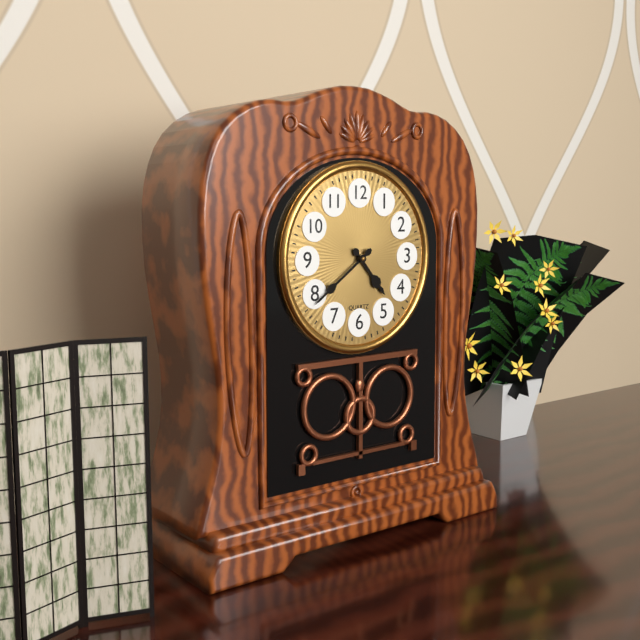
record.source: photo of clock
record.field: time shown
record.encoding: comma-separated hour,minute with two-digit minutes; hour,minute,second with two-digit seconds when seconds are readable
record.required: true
4,39
